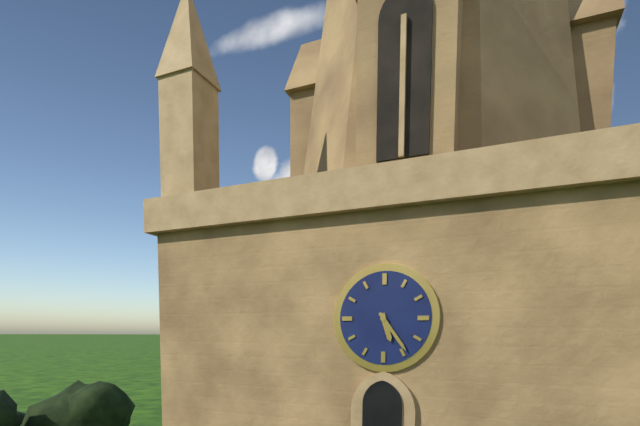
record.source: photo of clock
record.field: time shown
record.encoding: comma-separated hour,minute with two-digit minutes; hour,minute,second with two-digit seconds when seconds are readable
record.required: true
5,24
